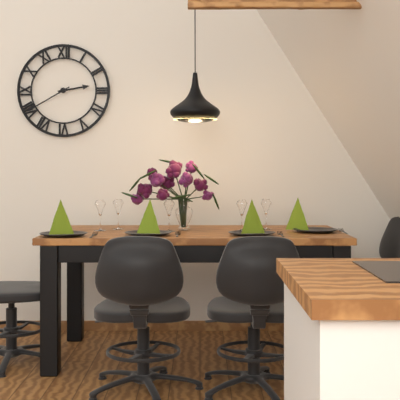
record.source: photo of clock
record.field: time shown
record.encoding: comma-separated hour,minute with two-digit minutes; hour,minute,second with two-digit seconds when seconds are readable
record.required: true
2,40
